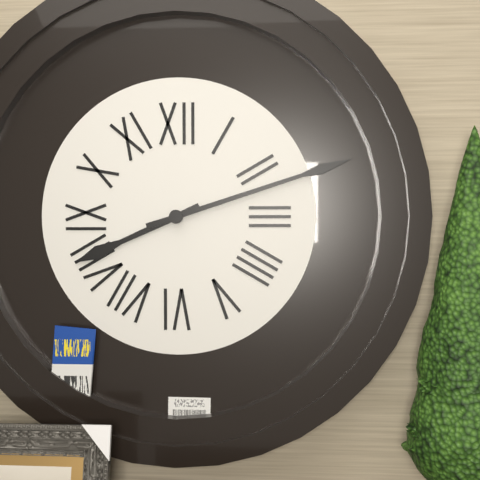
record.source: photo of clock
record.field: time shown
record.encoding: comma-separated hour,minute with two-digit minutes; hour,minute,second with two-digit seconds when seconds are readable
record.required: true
8,12
